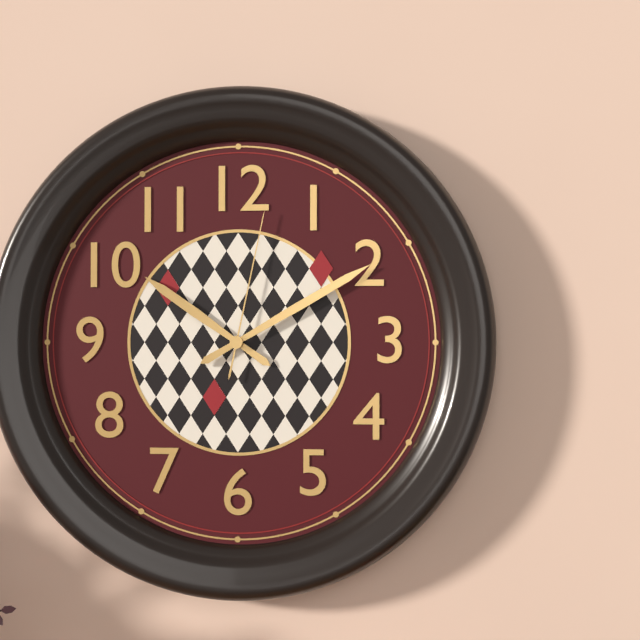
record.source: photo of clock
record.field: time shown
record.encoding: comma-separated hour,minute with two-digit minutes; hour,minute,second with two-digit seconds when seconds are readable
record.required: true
10,10,02
